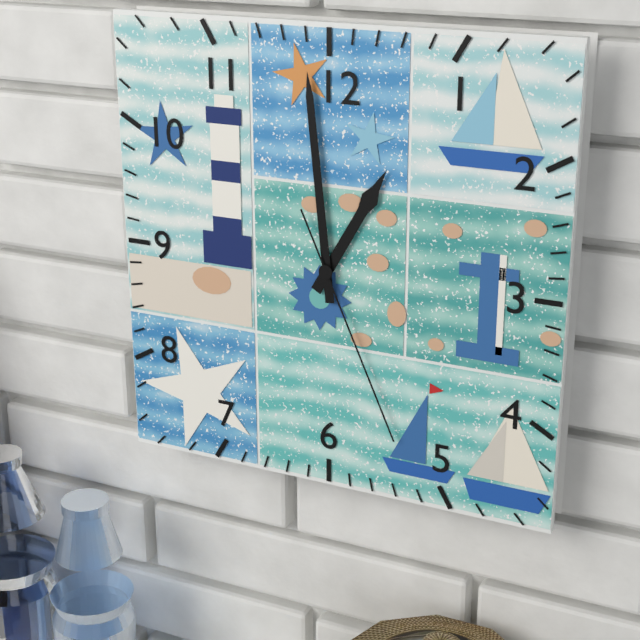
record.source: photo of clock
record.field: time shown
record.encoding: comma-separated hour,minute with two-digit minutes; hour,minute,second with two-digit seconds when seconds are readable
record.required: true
12,59,26
